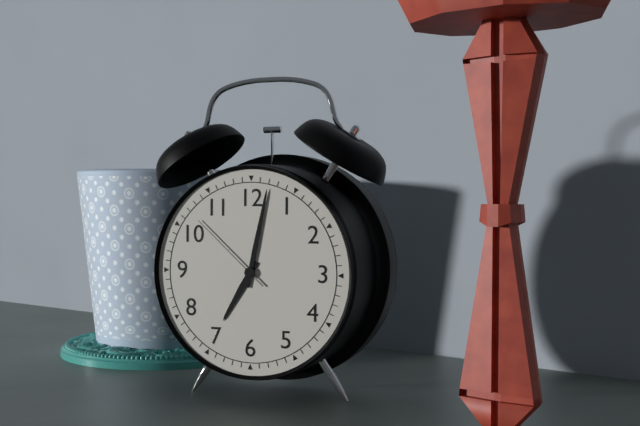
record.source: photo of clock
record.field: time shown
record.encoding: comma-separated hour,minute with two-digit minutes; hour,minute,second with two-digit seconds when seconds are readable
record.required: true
7,02,52
